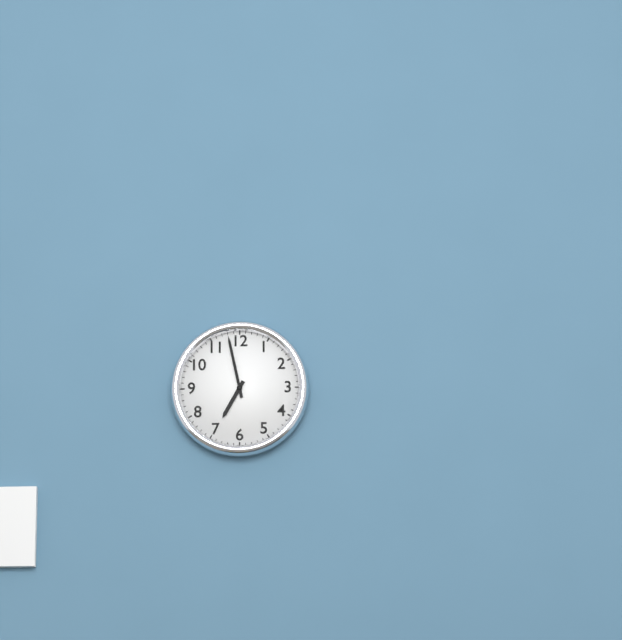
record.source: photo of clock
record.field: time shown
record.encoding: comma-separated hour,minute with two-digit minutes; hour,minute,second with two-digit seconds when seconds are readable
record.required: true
6,58
